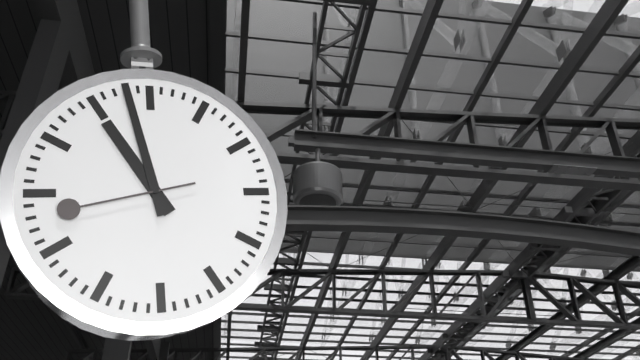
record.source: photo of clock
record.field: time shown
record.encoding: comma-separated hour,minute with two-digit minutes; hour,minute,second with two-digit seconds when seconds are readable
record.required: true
10,58,43
